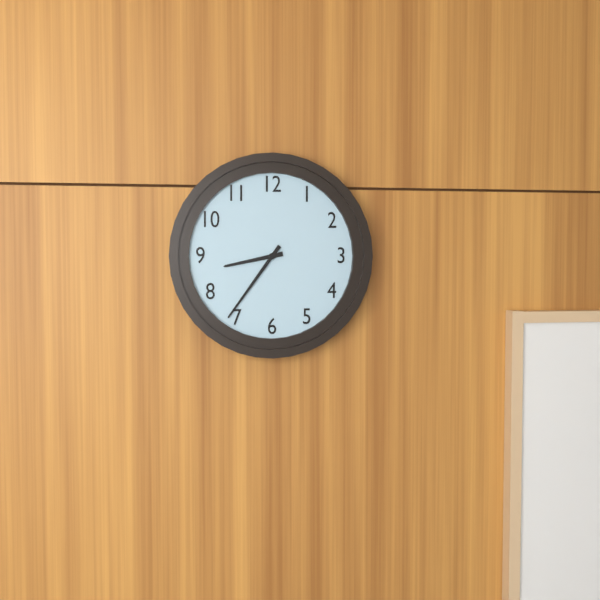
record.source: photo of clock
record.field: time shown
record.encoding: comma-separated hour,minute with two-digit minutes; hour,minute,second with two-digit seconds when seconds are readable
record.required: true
8,36
